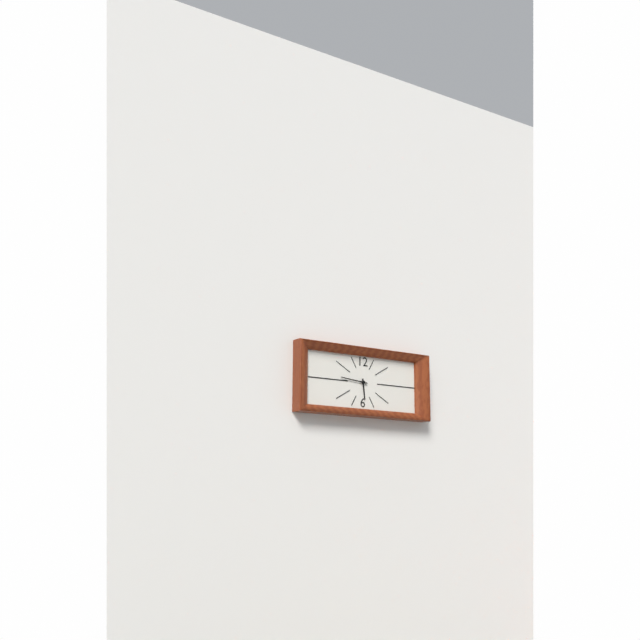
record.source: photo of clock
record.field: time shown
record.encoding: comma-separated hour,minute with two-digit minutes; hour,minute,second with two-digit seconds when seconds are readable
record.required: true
5,46
